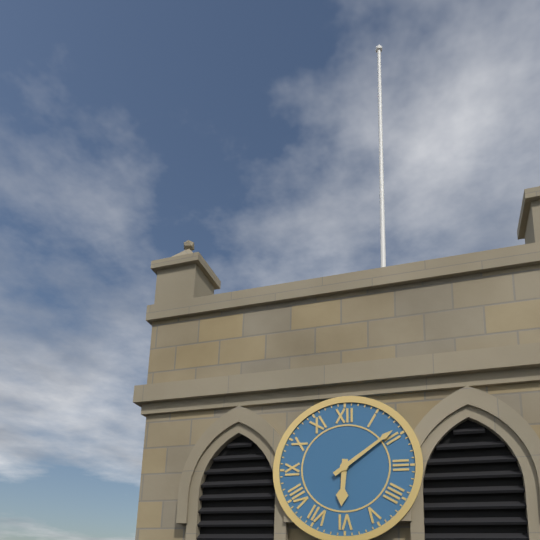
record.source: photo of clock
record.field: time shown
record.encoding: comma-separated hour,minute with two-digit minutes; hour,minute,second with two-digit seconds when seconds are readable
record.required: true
6,09
